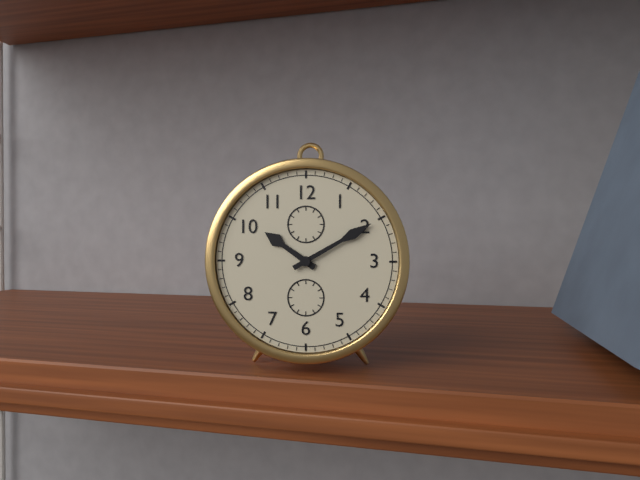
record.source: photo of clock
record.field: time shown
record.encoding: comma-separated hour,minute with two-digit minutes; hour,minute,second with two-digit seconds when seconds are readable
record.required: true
10,10
